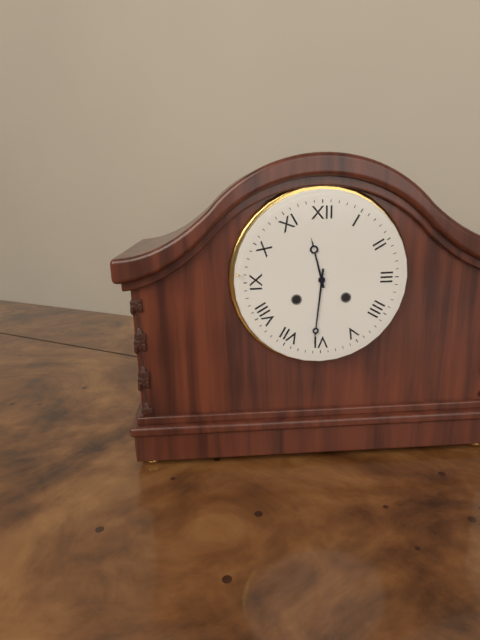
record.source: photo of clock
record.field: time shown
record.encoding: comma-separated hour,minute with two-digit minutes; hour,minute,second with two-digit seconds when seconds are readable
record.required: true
11,31
